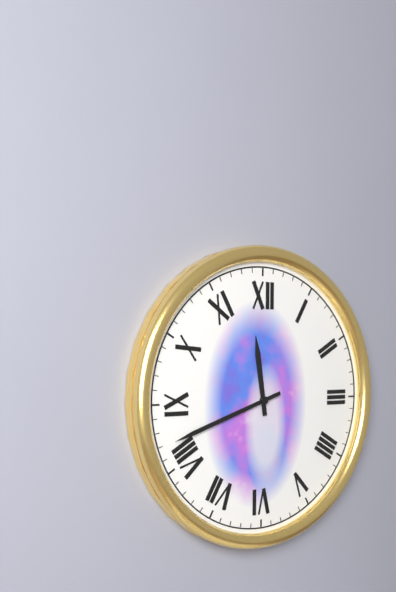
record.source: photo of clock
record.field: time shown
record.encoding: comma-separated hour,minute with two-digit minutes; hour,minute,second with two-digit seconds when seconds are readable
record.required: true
11,42
